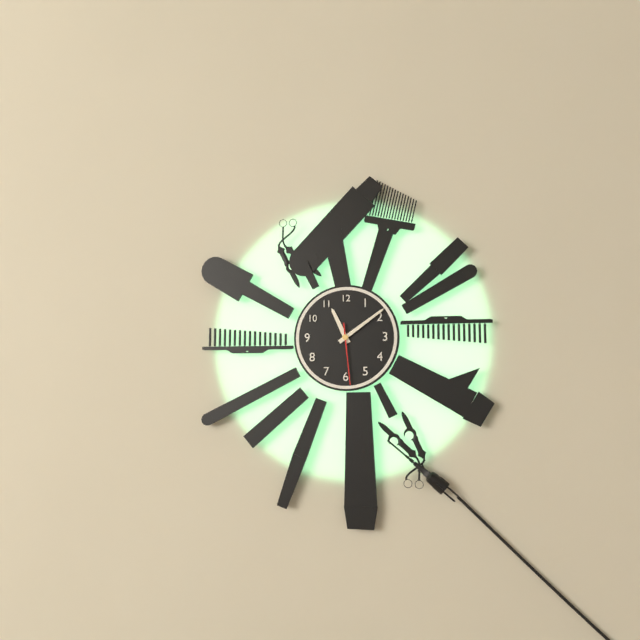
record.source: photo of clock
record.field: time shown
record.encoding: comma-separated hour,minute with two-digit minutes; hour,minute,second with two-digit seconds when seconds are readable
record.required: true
11,09,29
